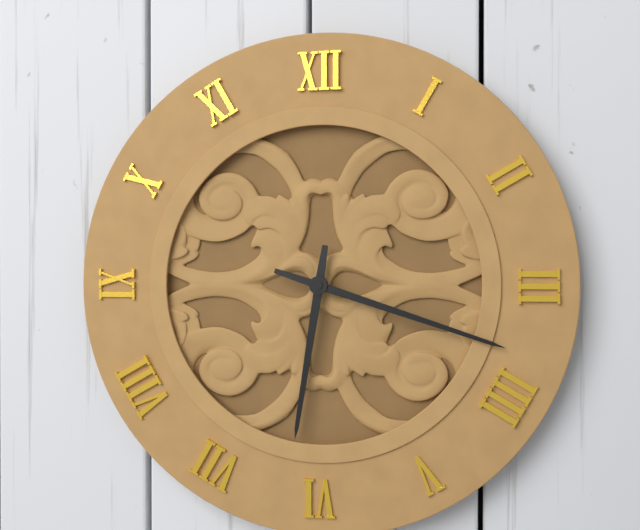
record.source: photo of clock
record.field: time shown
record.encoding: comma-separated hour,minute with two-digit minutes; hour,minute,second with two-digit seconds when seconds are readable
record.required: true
6,18
